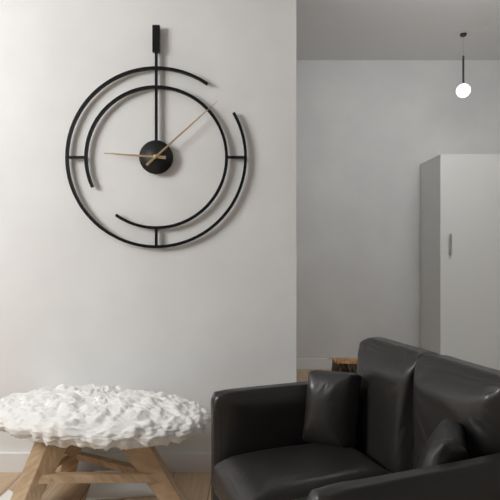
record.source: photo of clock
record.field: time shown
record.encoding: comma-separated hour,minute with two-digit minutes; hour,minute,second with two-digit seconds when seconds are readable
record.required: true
9,08
